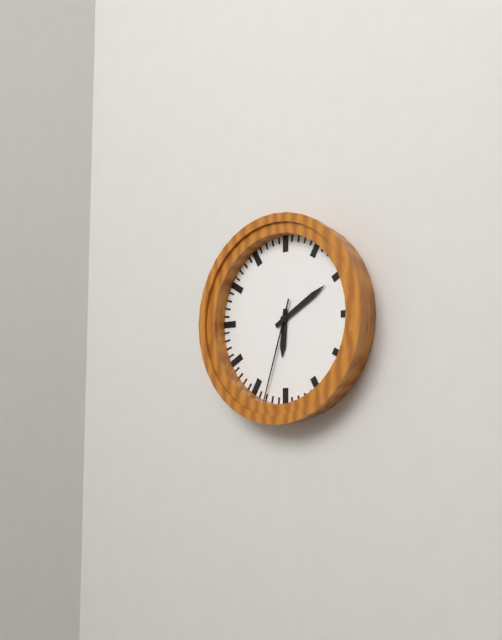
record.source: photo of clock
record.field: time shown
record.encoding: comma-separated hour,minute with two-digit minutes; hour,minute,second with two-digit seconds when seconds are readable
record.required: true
6,10,33
